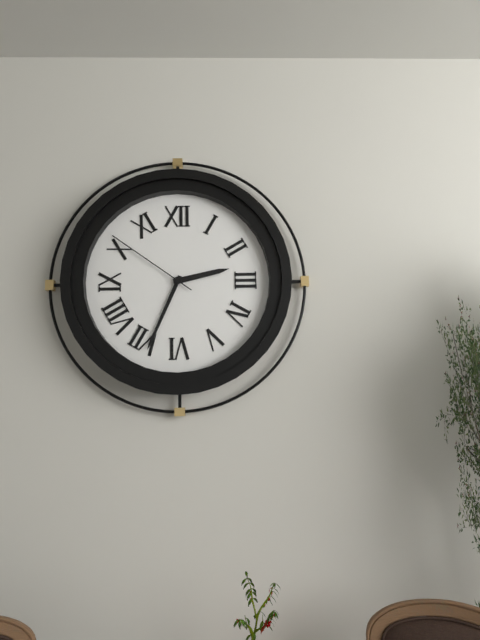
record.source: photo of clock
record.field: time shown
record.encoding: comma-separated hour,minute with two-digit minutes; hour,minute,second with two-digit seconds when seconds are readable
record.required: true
2,34,51
